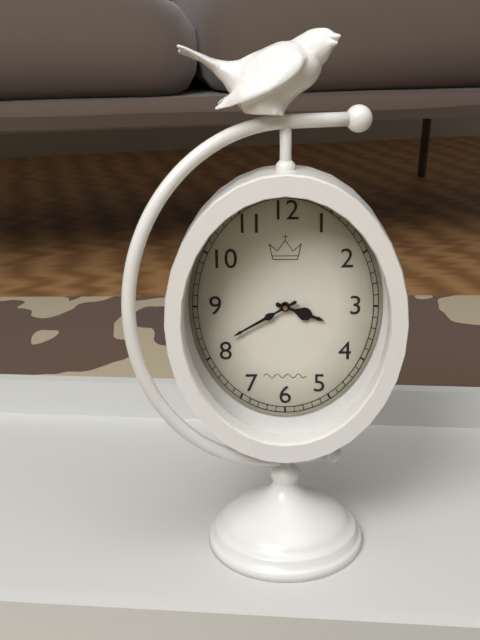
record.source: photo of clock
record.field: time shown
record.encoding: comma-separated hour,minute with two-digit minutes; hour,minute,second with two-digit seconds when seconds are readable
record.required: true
3,40
